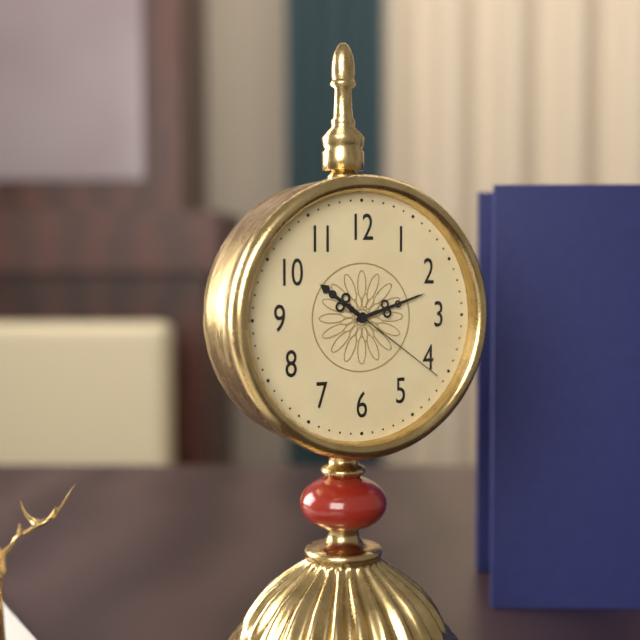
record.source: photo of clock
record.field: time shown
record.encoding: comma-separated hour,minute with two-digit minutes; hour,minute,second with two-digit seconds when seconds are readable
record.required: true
10,12,21
